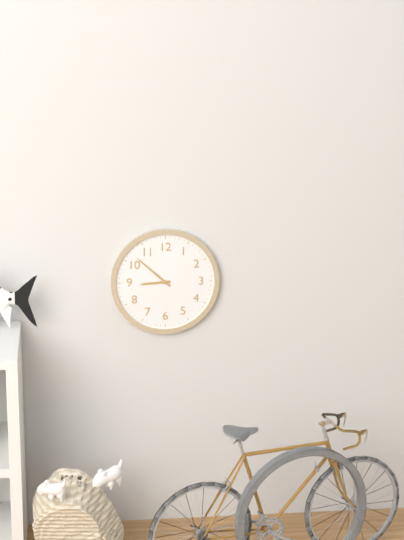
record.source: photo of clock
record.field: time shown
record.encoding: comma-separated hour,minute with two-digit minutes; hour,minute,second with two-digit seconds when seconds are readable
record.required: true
8,52
